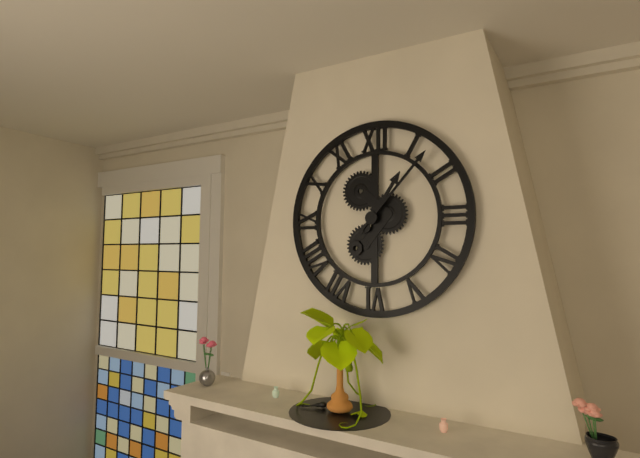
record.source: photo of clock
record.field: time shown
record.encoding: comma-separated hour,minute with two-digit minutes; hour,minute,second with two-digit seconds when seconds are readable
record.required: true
1,07
